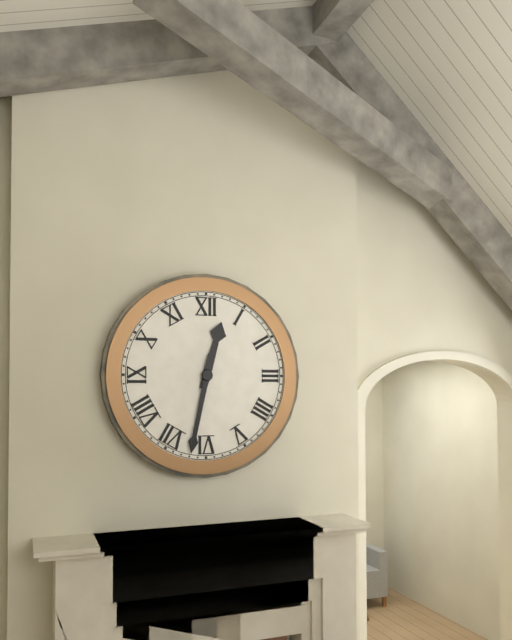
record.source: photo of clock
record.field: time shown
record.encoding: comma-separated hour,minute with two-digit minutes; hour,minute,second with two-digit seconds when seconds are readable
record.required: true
12,32
